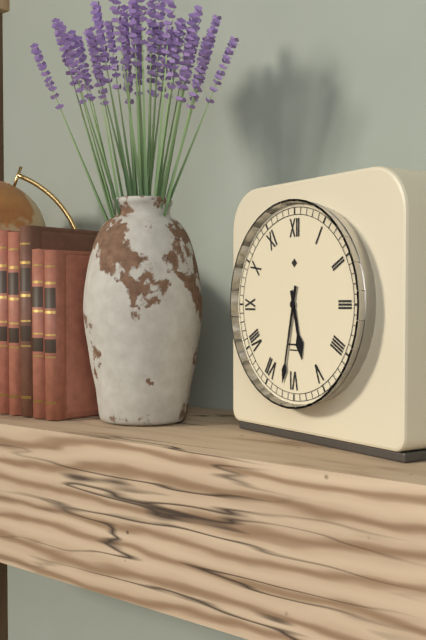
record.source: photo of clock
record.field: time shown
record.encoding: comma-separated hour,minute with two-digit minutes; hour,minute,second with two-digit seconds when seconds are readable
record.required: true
5,32
